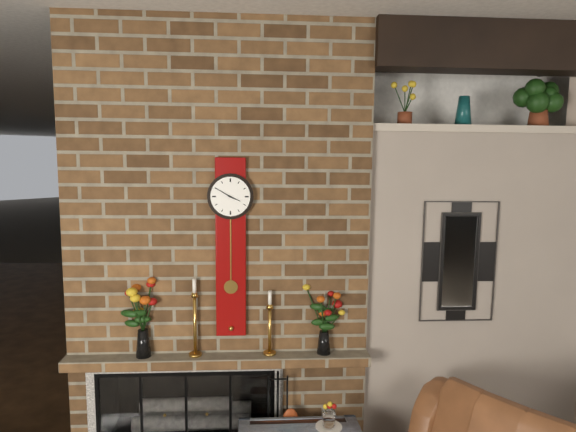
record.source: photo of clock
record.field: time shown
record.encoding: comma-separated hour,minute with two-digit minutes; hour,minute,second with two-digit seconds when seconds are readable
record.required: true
3,50
